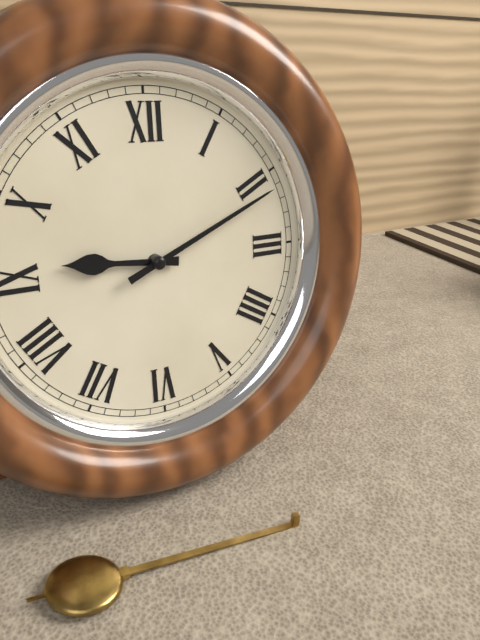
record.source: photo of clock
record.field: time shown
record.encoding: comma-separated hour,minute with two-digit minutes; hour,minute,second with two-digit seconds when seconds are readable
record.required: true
9,11
